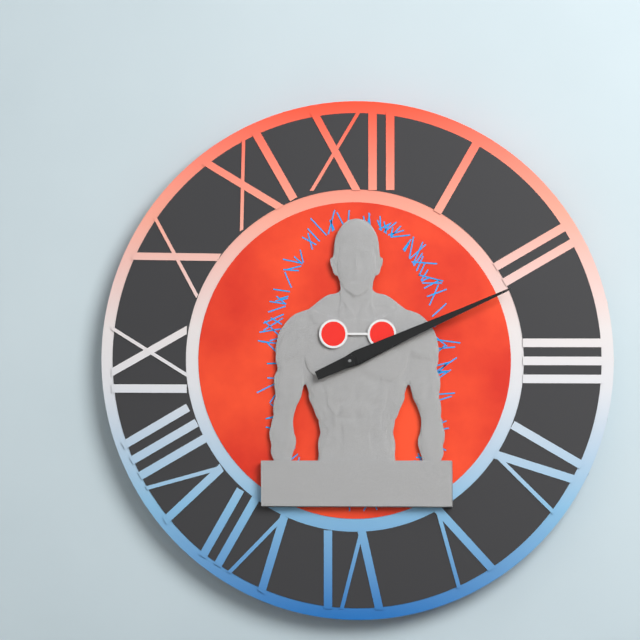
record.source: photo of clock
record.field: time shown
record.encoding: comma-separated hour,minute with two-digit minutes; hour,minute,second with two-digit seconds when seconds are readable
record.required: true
2,11
